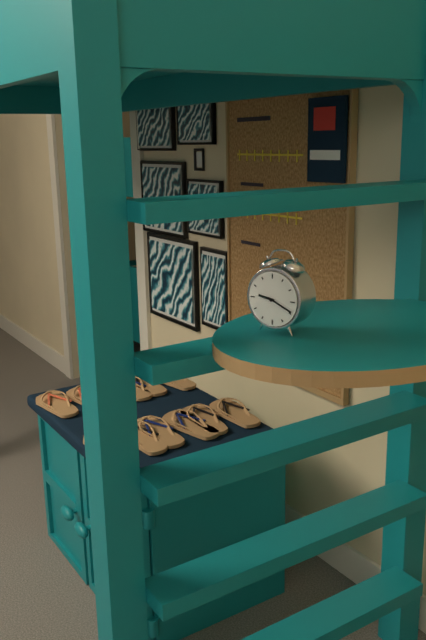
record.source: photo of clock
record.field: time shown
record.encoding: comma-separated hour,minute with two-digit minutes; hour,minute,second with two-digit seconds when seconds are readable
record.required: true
9,19
